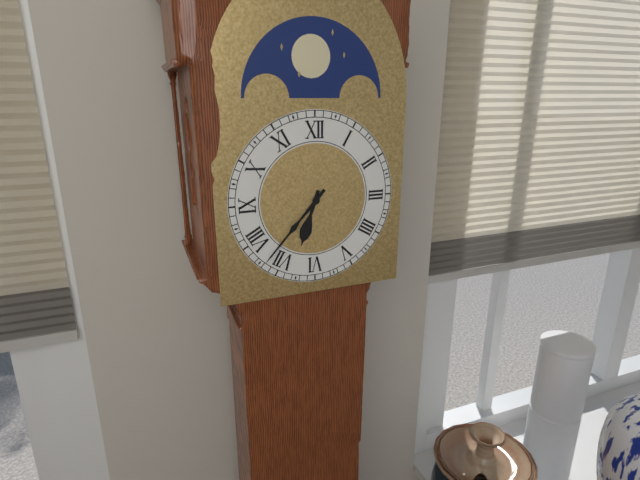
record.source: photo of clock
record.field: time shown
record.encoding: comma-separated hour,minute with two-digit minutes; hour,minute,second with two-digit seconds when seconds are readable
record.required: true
6,37
